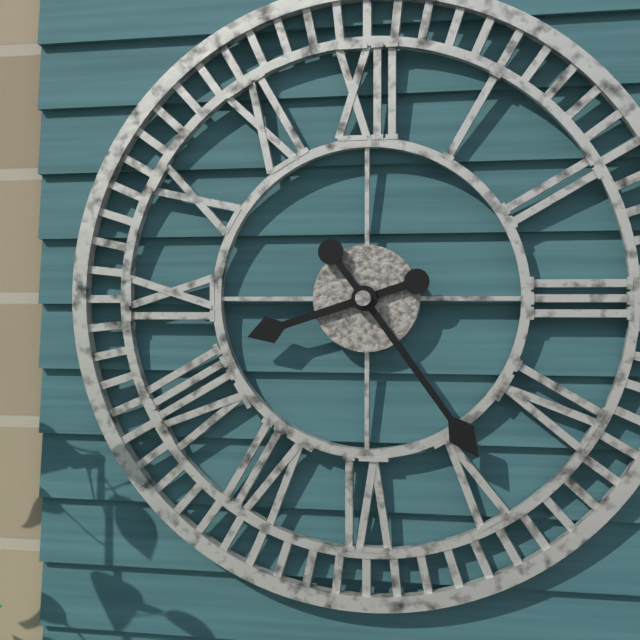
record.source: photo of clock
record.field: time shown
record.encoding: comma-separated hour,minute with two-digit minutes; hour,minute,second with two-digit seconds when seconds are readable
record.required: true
8,24
